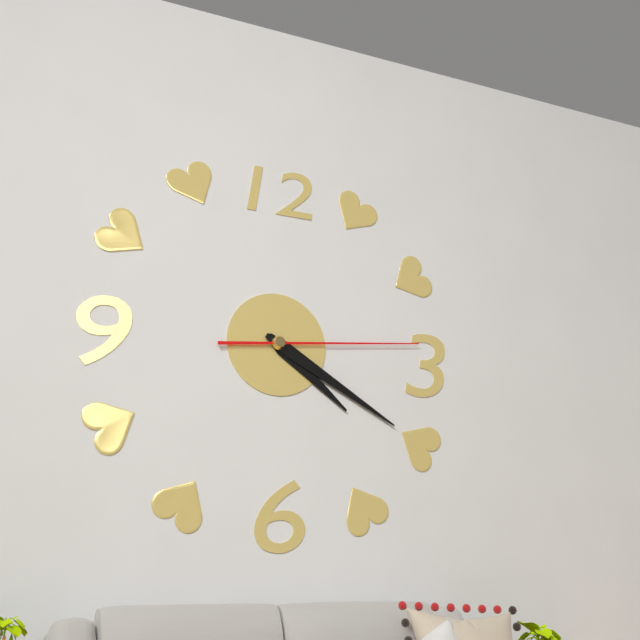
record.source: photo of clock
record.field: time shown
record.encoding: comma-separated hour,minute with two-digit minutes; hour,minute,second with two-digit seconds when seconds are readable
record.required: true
4,20,14
